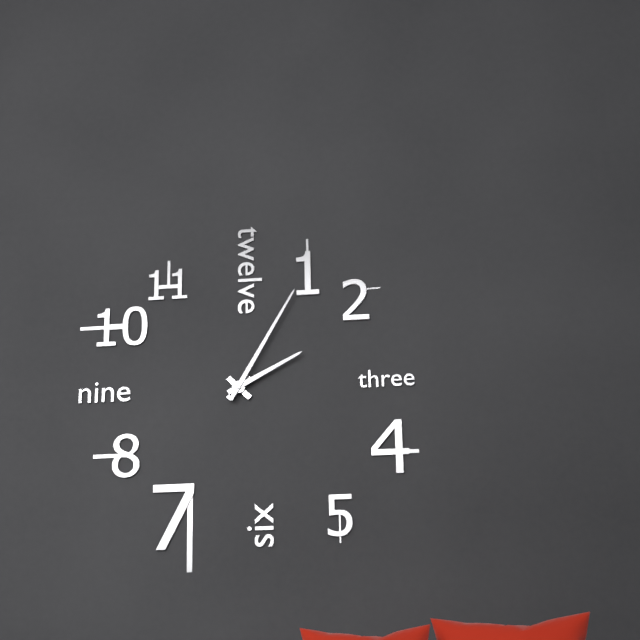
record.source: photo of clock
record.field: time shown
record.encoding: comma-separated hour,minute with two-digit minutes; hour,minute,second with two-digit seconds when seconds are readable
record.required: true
2,05
